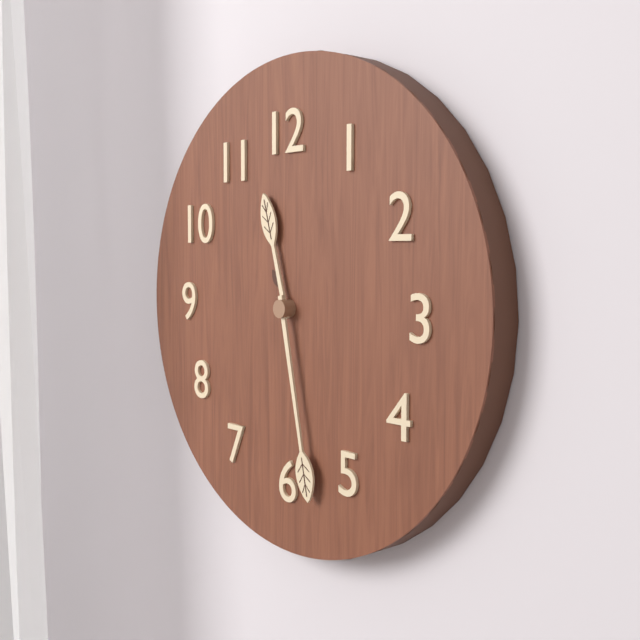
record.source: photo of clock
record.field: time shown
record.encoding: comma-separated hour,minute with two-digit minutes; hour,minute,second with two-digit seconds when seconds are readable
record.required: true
11,28
